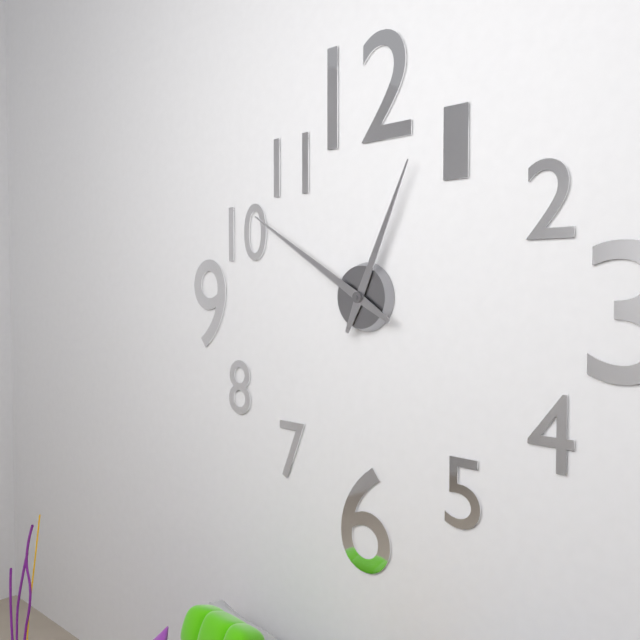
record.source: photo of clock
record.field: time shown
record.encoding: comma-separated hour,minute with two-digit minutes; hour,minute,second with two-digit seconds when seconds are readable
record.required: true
12,50
